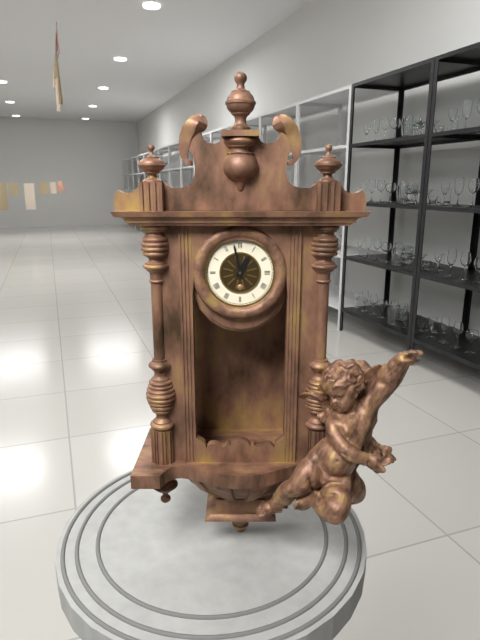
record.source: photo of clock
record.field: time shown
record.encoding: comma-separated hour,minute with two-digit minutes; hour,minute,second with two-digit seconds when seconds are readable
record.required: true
12,58
